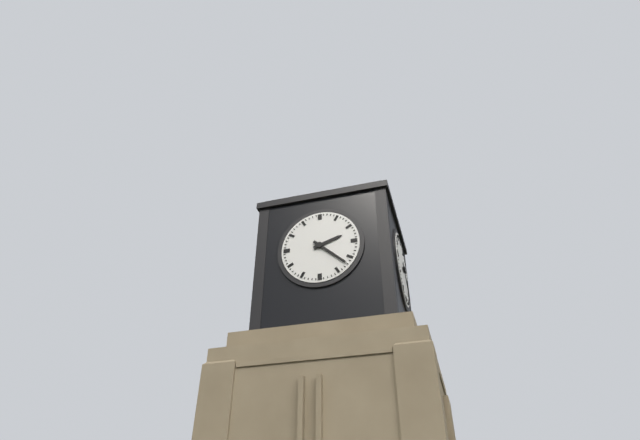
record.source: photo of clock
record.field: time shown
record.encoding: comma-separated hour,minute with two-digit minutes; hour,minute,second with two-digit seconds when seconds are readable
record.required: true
2,22
